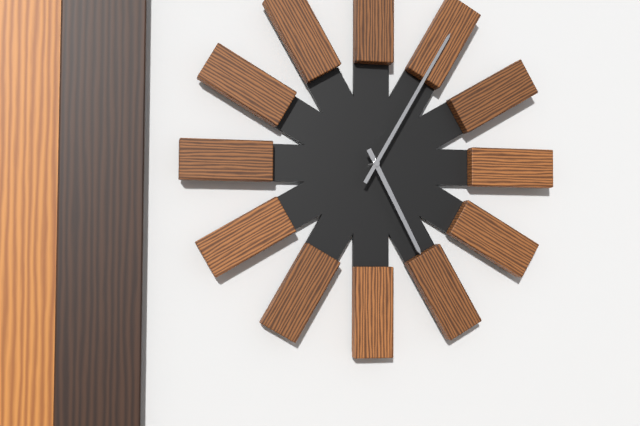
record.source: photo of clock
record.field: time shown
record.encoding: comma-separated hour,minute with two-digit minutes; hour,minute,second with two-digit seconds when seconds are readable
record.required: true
5,05
